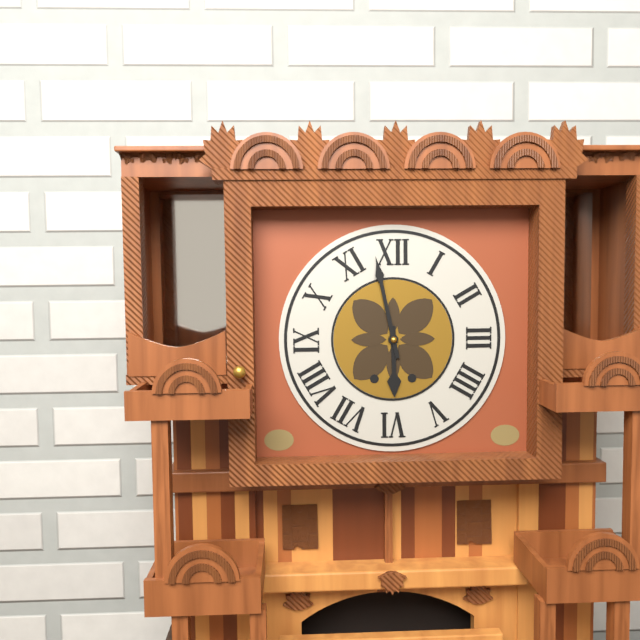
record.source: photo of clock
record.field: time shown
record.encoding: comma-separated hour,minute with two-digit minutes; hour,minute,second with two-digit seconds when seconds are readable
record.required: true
5,58
